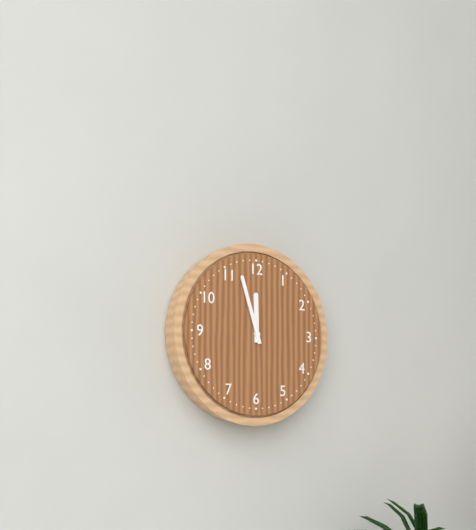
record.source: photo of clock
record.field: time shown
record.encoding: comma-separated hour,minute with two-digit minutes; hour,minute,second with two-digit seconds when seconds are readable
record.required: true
11,57
